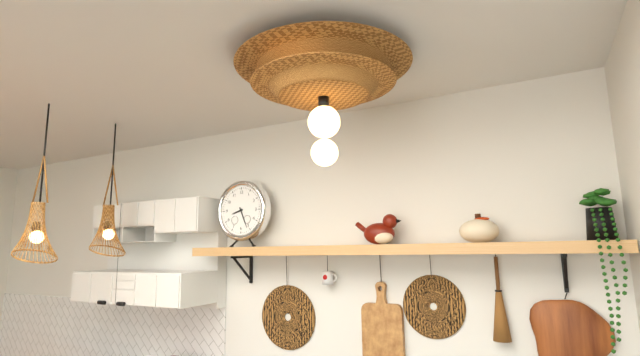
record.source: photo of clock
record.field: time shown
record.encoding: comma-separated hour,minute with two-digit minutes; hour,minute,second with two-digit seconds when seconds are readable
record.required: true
8,26
